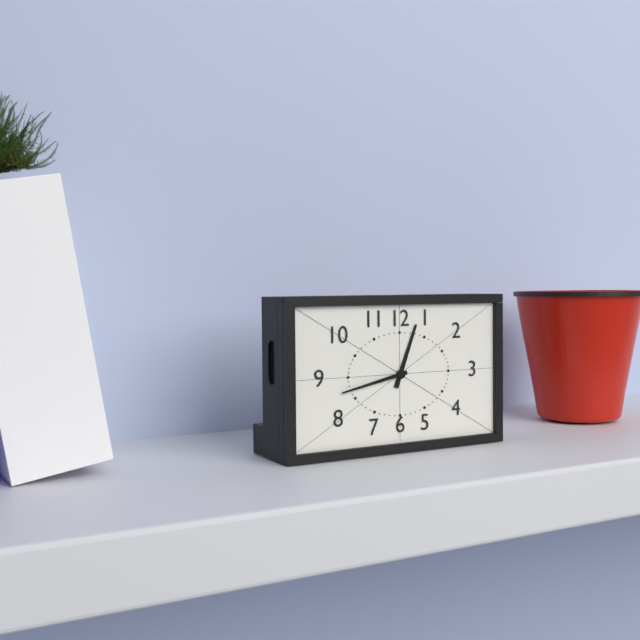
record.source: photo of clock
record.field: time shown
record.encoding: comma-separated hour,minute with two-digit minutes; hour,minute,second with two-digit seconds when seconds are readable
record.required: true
12,43
